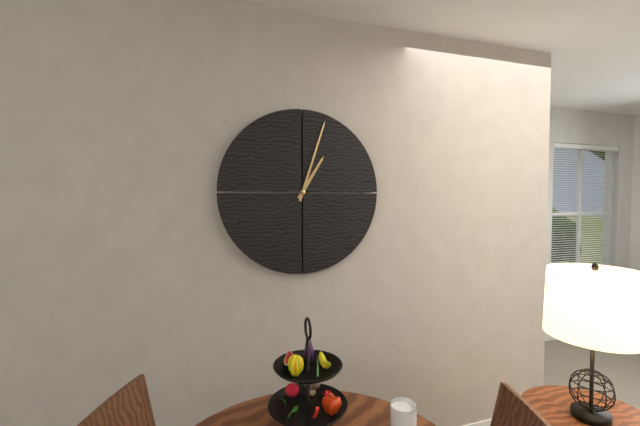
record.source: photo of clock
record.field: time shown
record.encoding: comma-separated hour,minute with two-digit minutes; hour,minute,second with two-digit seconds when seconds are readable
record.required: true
1,03
